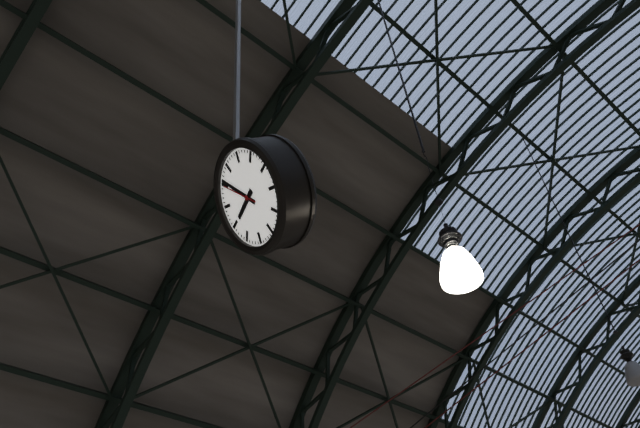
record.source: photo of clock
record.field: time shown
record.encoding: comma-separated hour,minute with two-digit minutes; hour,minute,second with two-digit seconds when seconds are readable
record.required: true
8,56
